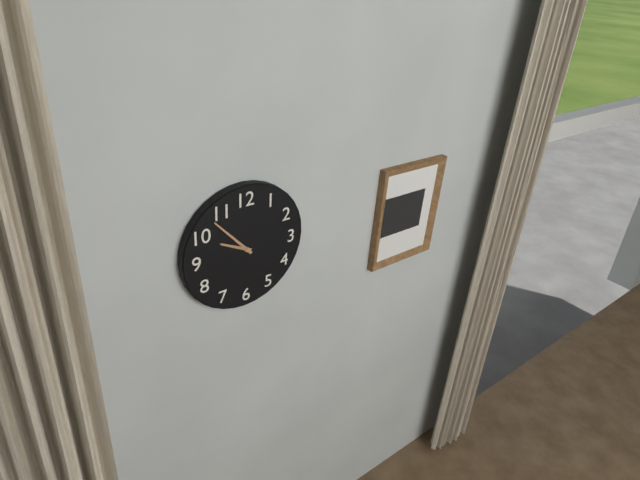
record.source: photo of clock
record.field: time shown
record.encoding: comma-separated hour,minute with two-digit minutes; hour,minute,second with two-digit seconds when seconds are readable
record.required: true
9,53
